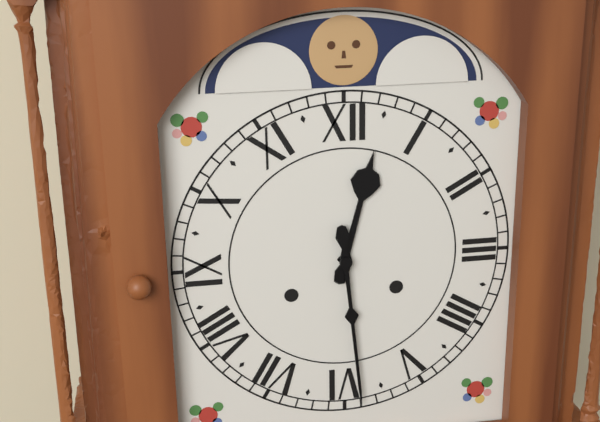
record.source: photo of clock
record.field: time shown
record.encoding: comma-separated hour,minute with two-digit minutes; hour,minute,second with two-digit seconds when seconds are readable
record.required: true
12,29
